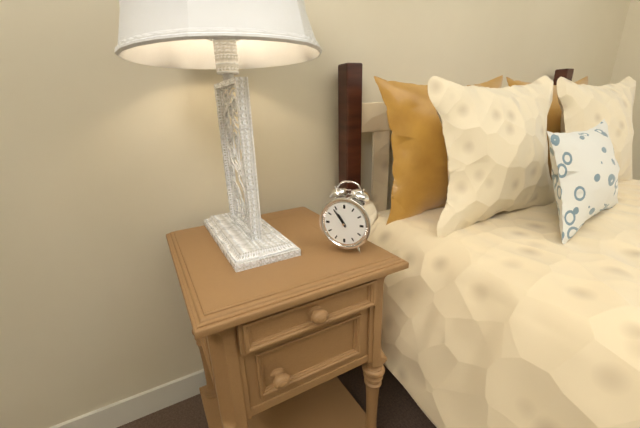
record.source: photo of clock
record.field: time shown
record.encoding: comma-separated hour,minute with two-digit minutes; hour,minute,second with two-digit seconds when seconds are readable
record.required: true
10,54
